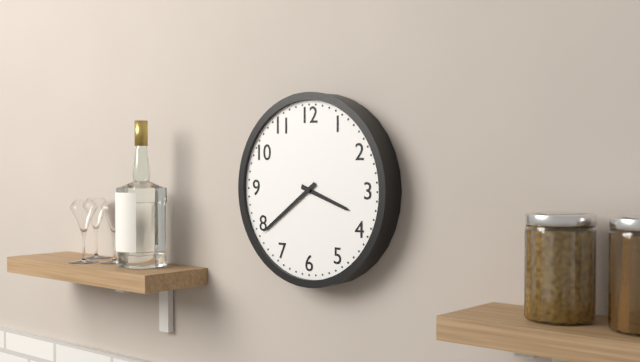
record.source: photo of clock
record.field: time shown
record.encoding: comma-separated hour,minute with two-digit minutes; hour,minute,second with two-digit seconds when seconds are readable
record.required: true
3,39
